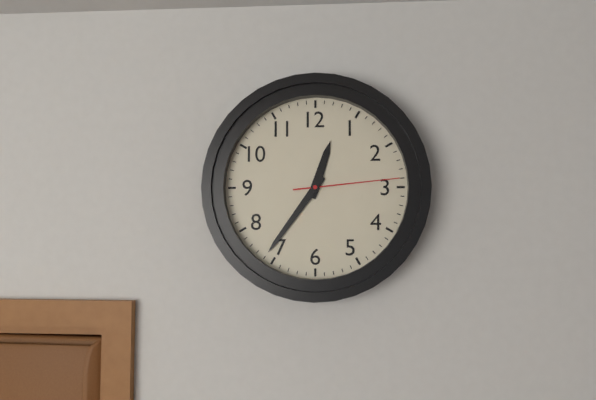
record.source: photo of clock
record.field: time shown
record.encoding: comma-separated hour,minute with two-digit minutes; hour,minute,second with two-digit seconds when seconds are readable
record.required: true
12,36,14
